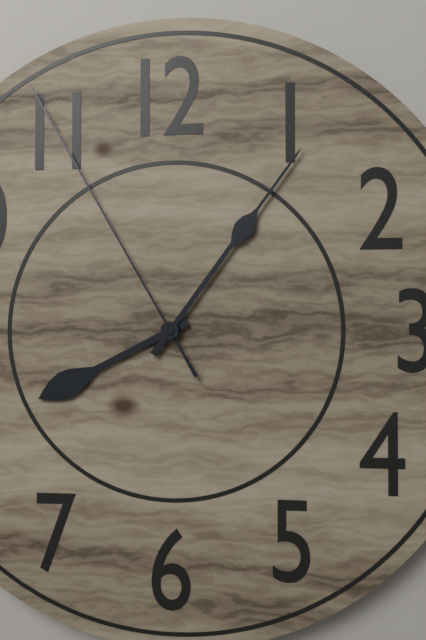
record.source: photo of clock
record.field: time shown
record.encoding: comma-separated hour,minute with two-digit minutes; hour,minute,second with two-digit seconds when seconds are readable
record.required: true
8,06,55
